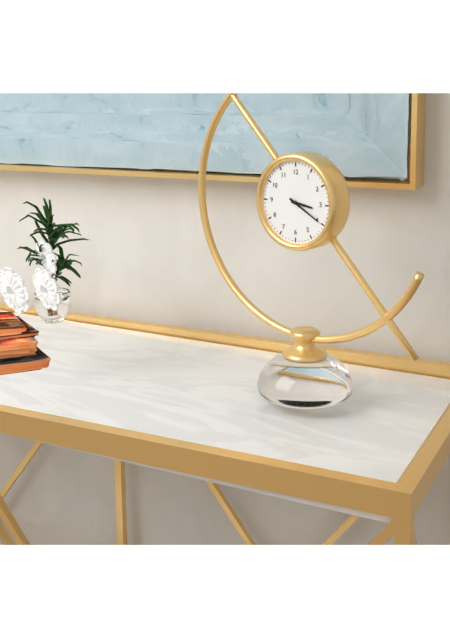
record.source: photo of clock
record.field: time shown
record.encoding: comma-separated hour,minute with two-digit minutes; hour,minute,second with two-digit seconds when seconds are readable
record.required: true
3,20
